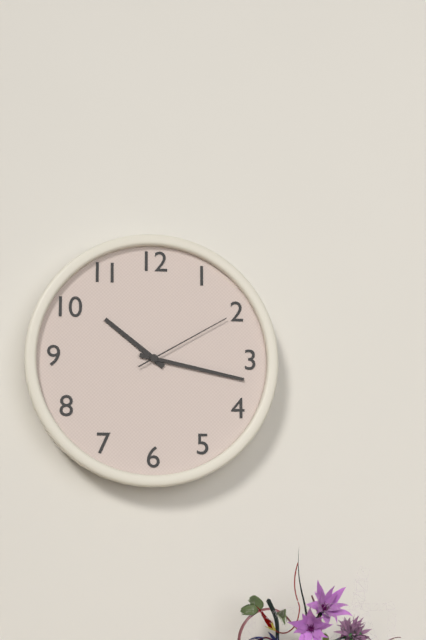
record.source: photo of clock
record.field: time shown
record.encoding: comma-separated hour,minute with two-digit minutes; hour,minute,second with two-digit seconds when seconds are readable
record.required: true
10,17,10
